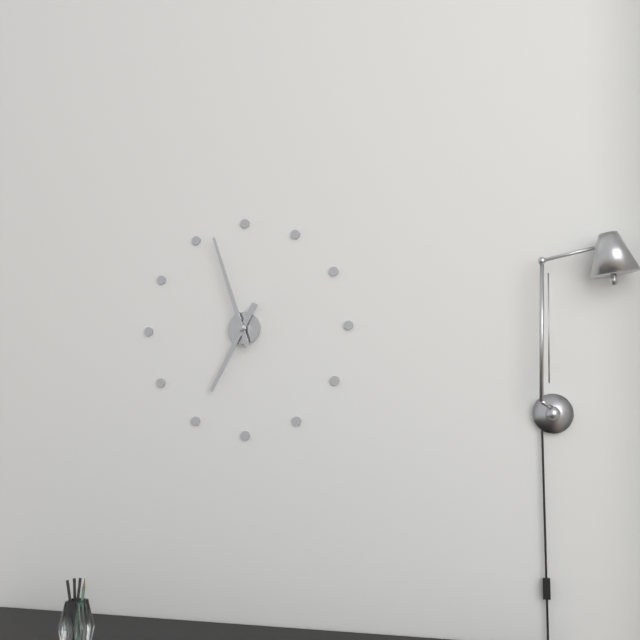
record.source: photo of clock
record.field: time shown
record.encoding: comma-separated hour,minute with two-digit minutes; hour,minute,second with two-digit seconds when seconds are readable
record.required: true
6,57
